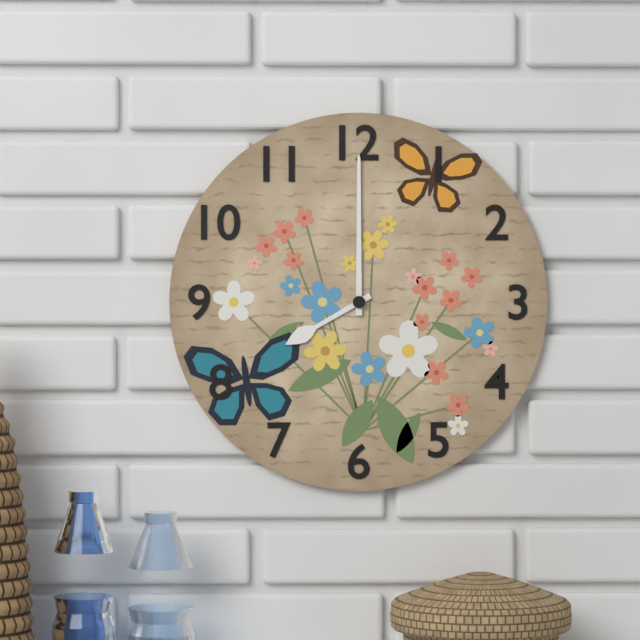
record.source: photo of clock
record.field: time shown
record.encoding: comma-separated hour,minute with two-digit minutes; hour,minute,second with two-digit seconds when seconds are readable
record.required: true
8,00
